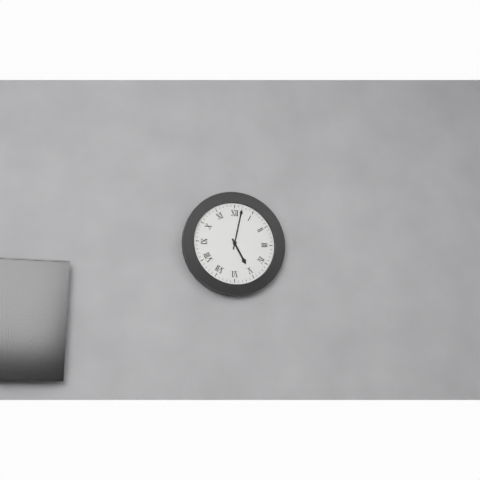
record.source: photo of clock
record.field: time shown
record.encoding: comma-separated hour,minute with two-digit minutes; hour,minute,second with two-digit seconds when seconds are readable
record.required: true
5,02
